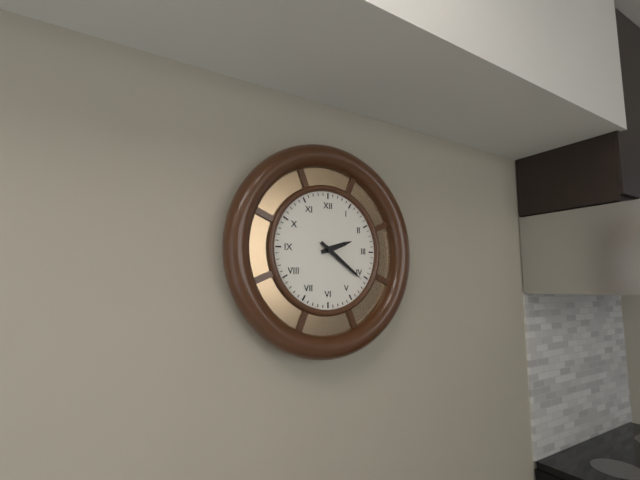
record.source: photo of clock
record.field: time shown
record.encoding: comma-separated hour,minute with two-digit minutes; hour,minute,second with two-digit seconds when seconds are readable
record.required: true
2,21
